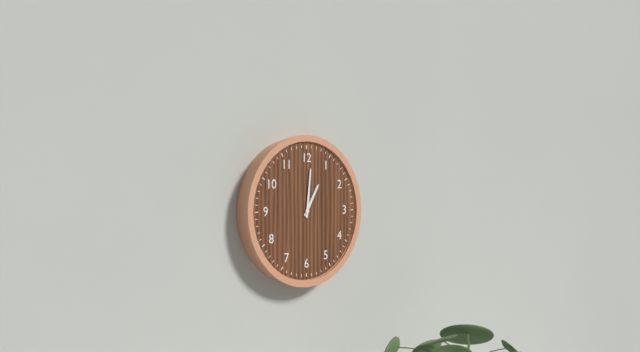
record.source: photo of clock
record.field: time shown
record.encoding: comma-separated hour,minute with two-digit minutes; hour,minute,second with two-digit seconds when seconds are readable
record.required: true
1,01
